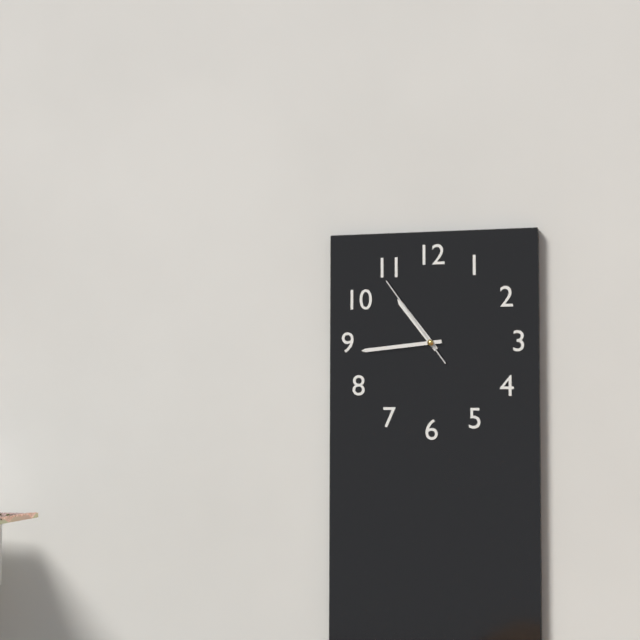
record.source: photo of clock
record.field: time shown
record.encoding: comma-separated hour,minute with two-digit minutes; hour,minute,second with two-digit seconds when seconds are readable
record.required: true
10,44,54
